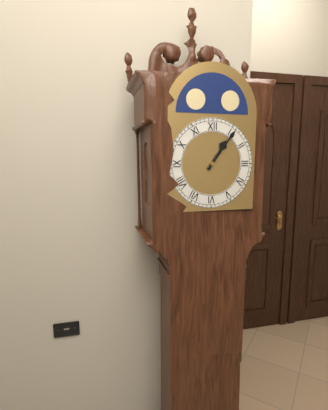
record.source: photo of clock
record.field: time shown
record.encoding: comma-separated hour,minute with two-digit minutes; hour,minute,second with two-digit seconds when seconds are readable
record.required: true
1,06
